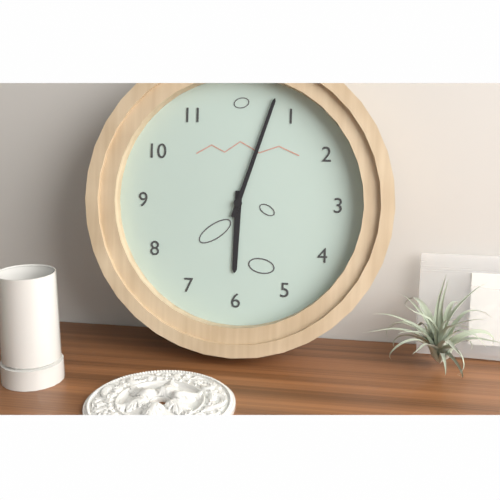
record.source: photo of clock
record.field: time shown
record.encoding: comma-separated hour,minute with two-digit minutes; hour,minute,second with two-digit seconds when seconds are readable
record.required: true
6,03
